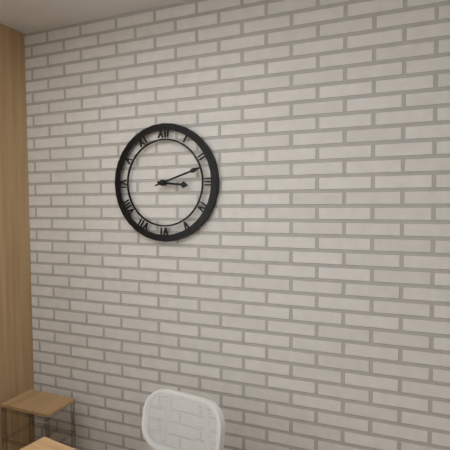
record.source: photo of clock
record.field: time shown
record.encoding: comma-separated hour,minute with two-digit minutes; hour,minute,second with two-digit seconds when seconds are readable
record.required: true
3,12
